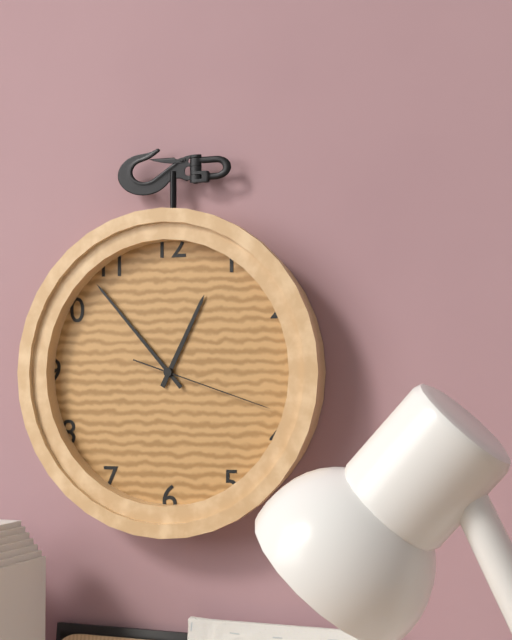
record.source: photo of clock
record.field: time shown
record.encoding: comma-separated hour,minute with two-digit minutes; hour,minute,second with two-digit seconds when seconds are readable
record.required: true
12,53,18
